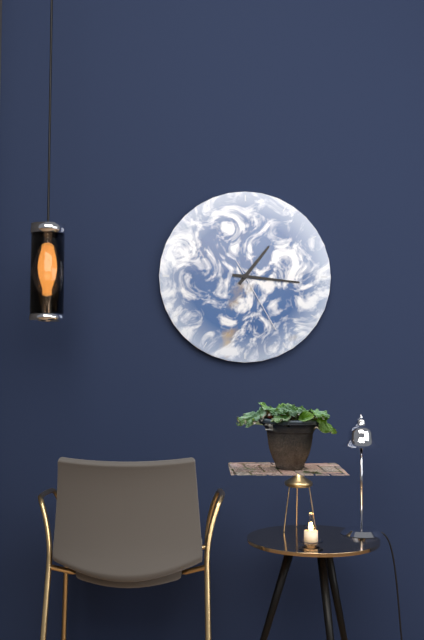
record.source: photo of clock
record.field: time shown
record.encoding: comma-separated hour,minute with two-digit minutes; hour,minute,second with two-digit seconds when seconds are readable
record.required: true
1,16,25
